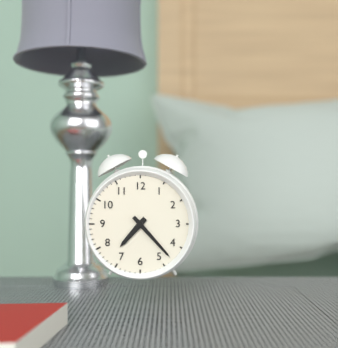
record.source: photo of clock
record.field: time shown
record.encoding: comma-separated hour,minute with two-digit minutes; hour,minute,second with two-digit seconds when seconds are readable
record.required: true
7,23
